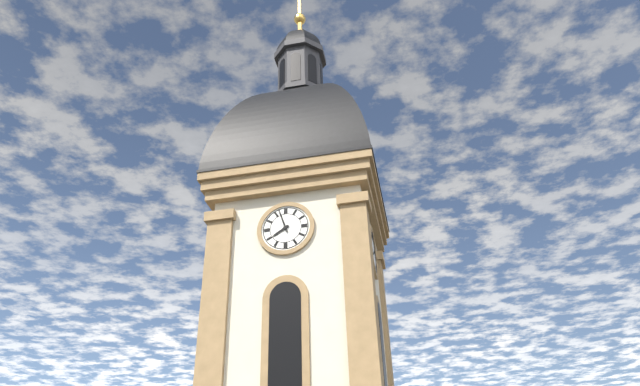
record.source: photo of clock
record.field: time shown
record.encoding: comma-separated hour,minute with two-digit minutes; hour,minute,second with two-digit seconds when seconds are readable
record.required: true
7,57
